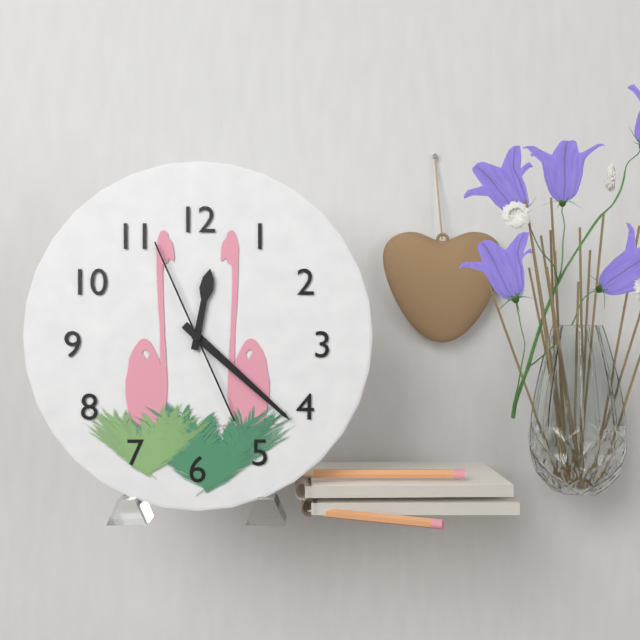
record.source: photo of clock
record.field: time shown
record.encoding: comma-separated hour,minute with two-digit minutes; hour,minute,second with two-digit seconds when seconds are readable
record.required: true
12,22,56
